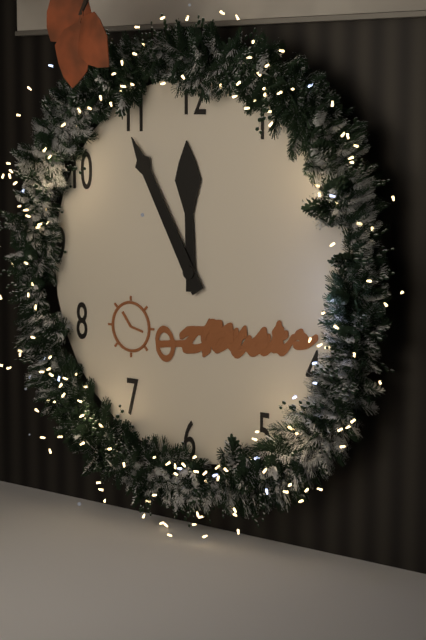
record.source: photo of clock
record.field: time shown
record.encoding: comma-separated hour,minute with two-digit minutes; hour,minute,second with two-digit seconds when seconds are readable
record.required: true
11,55
